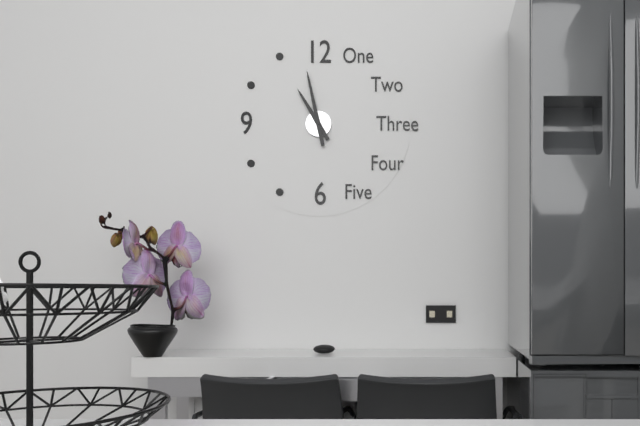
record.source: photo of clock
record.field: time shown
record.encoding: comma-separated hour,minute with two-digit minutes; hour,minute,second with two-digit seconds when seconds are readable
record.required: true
10,58
